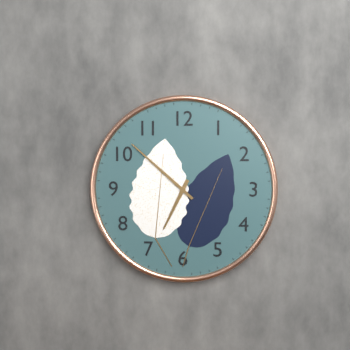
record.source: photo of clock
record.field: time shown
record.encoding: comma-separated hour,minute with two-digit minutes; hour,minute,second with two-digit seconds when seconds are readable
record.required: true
6,52
